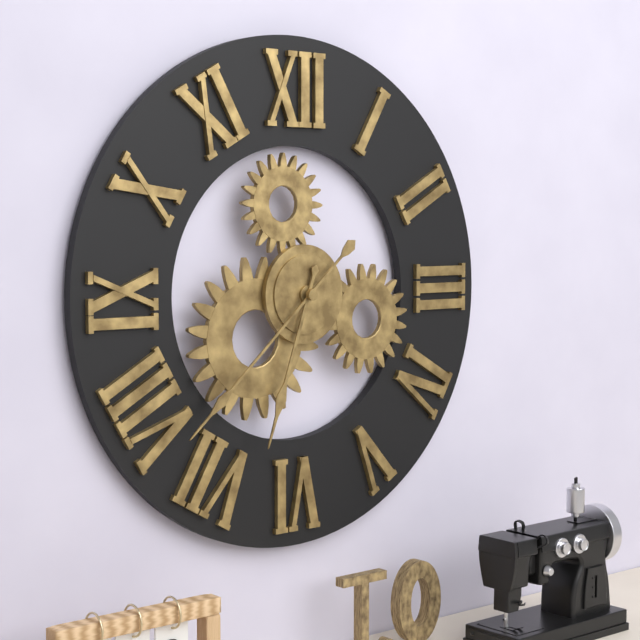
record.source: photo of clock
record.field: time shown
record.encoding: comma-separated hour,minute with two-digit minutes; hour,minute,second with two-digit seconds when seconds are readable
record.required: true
6,38
